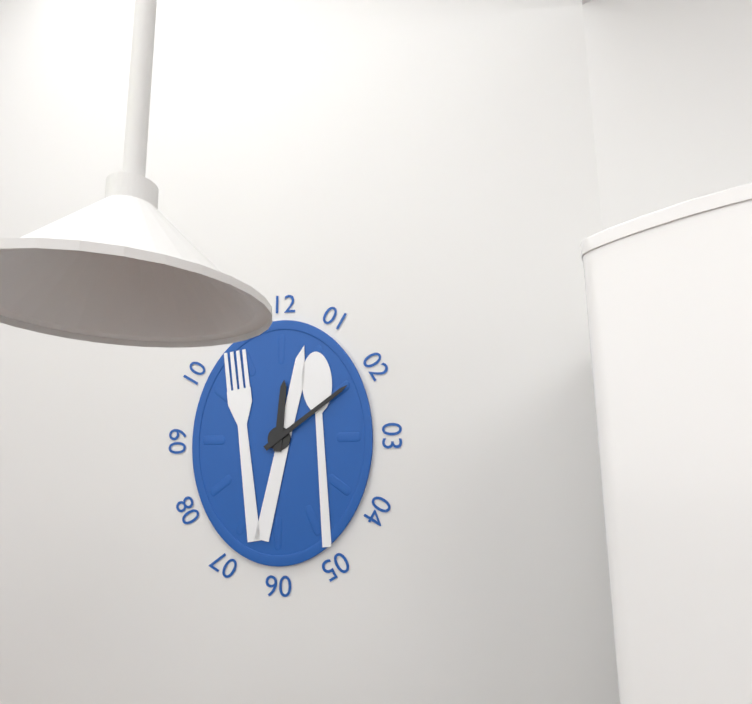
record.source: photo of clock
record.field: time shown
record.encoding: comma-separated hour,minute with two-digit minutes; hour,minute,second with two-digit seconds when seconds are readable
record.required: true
12,09
